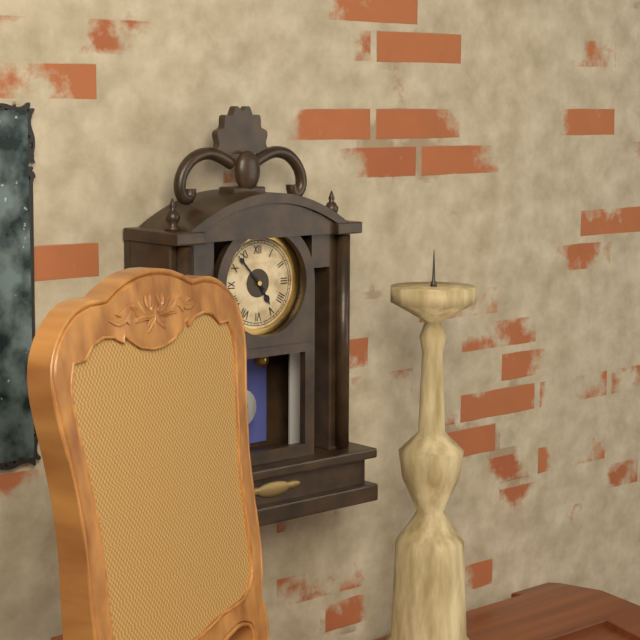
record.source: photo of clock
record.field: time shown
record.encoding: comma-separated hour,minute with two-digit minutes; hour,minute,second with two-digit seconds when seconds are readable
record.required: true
4,53
